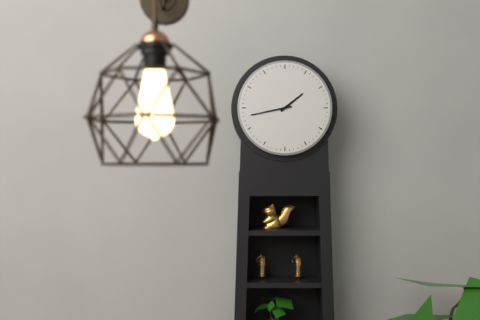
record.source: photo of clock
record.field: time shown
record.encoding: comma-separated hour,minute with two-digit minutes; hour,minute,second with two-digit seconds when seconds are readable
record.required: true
1,43
